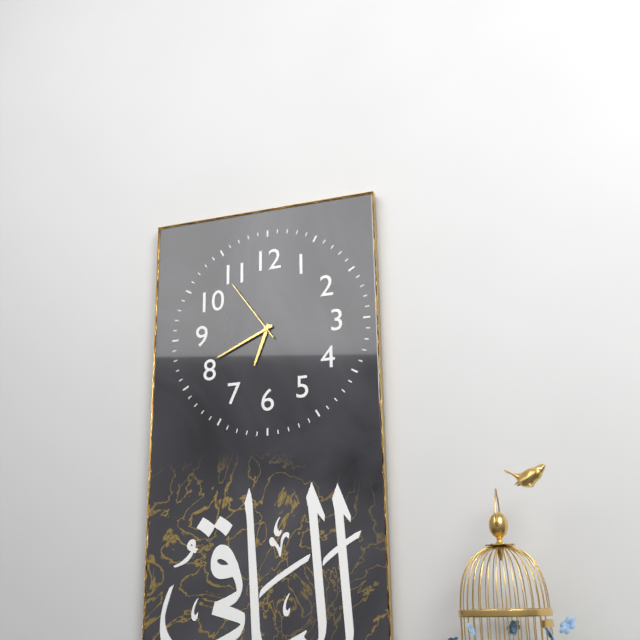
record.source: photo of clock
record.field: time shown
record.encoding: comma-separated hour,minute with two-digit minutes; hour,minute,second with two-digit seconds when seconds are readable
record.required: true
6,41,54
